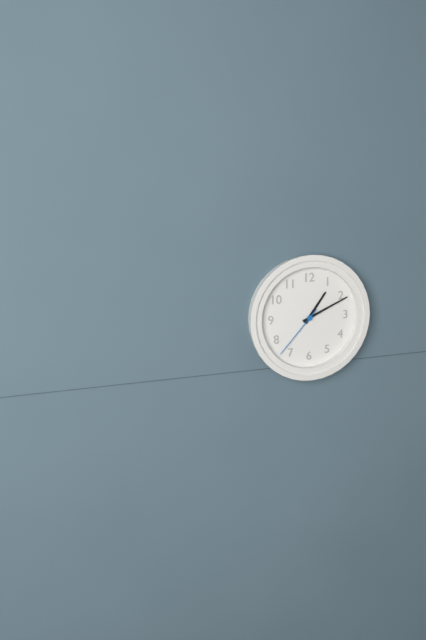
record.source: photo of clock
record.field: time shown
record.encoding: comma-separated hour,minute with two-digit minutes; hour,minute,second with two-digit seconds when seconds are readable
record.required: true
1,11,37
